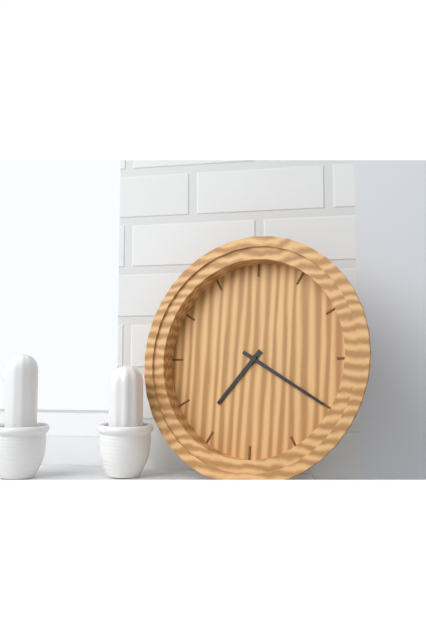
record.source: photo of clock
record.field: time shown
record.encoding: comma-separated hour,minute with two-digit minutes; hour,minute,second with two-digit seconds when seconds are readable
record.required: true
7,20
